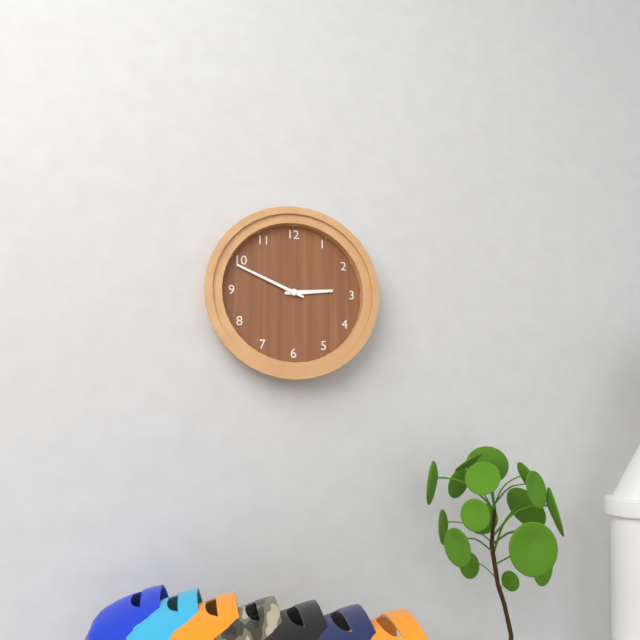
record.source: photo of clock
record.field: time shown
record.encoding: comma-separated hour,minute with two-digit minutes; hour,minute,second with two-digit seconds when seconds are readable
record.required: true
2,49
